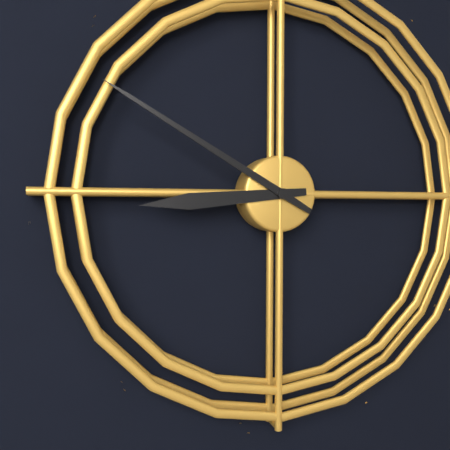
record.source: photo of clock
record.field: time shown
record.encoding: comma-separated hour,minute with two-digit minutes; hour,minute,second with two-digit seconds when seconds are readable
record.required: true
8,50
